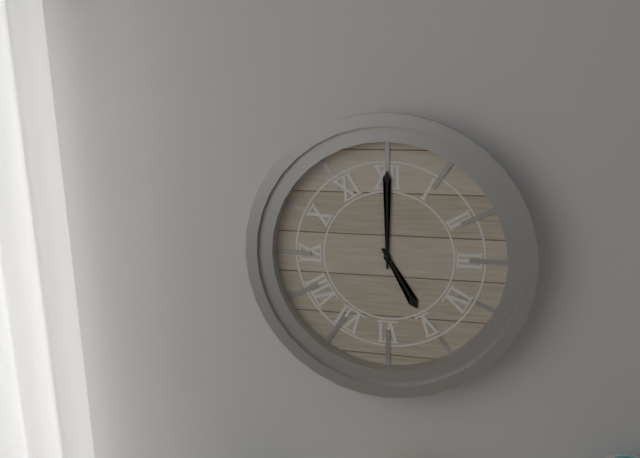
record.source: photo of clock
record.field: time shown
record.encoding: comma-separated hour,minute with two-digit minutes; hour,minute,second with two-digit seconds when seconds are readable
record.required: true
5,00
